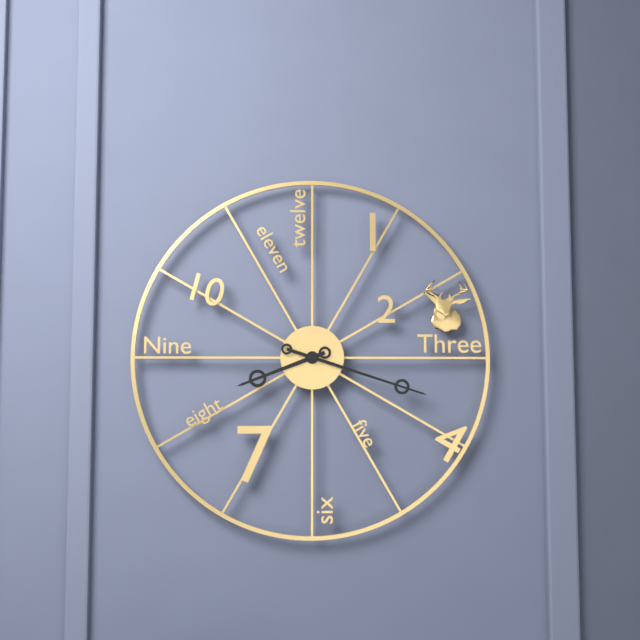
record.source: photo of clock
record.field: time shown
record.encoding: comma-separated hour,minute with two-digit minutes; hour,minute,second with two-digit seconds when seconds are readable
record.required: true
8,18
